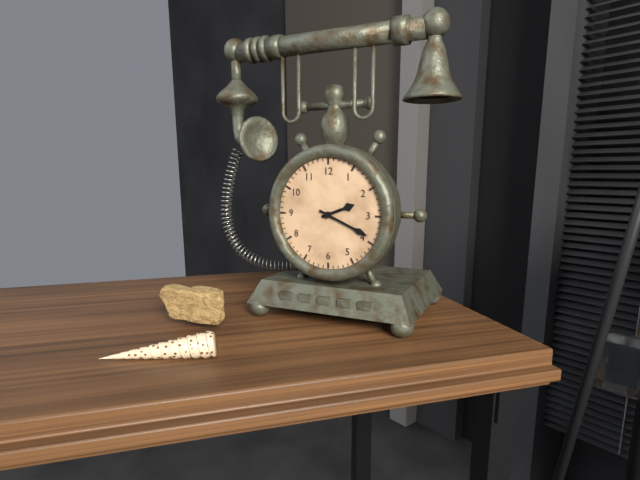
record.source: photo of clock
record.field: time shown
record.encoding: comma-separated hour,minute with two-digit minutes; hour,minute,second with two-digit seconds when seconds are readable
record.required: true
2,19
